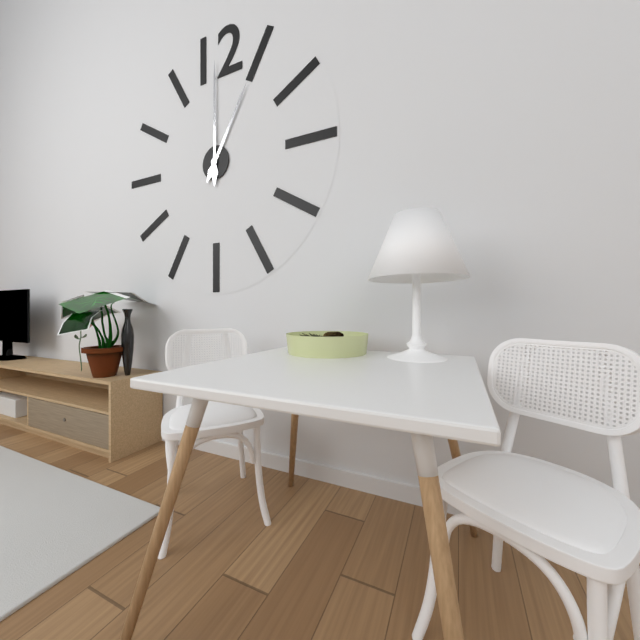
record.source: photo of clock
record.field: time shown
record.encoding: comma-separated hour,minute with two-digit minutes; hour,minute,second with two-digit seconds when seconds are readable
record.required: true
1,00
